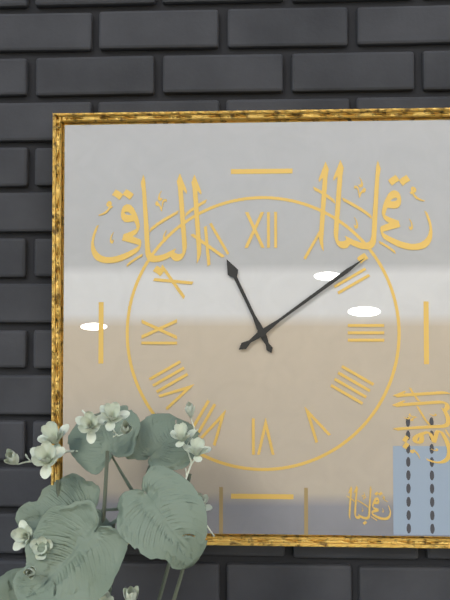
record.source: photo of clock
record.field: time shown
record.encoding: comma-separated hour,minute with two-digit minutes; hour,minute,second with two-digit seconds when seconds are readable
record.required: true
11,09
